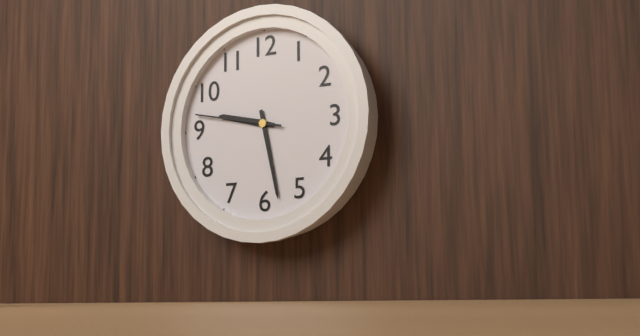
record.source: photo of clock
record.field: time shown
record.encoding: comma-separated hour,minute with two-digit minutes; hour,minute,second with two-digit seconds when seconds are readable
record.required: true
9,28,47
